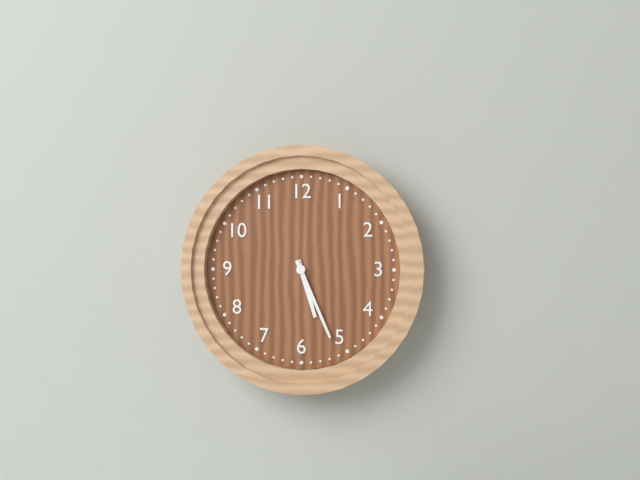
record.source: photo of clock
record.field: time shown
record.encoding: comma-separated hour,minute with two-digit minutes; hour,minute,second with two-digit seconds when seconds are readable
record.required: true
5,26
